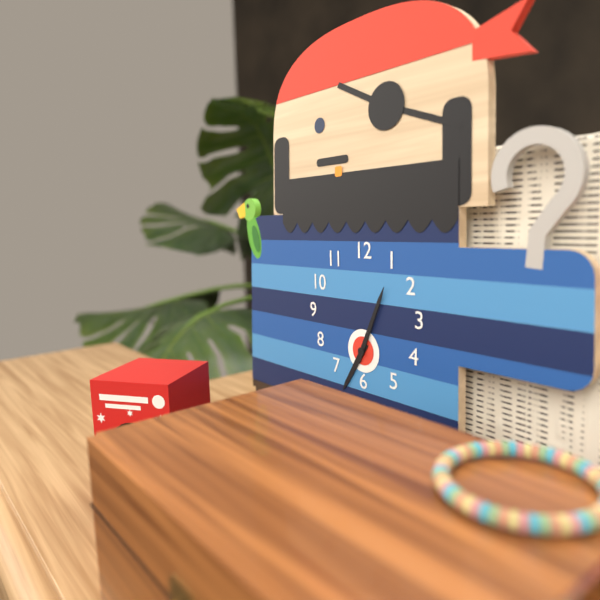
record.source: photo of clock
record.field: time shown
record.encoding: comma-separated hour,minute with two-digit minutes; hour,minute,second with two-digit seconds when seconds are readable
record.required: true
7,04
